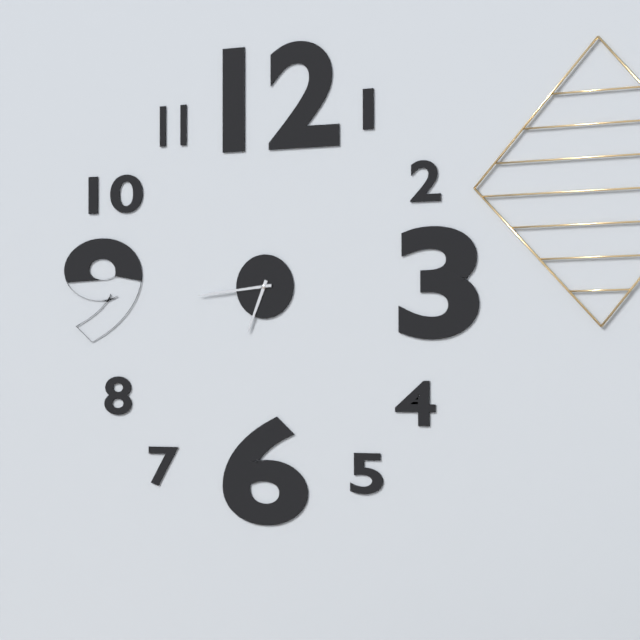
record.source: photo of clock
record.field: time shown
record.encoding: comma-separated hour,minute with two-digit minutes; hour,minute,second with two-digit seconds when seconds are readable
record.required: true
6,44
